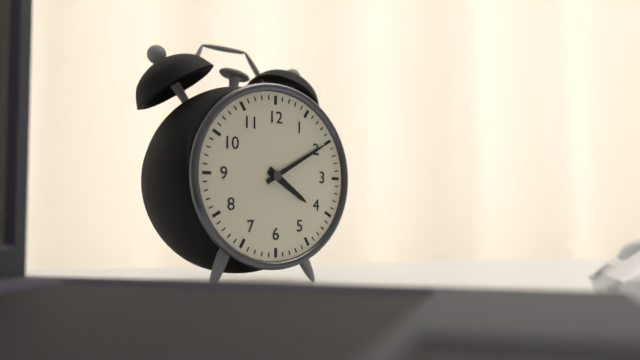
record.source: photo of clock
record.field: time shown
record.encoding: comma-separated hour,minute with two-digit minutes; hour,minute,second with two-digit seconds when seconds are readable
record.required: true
4,10
